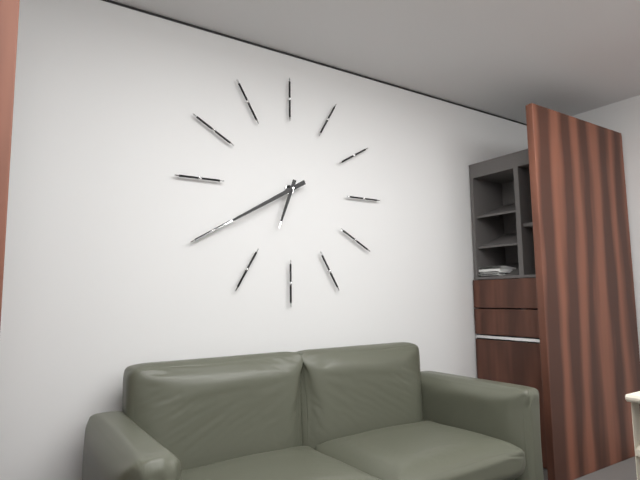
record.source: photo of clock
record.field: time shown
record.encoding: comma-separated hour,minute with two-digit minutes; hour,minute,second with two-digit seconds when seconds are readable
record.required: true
6,40
